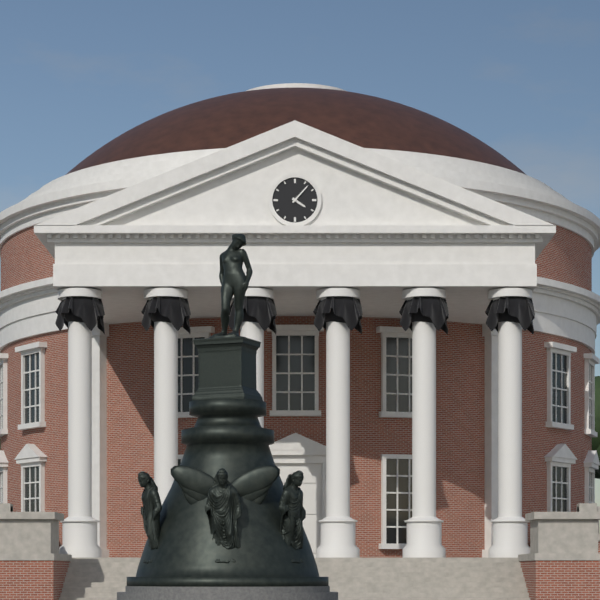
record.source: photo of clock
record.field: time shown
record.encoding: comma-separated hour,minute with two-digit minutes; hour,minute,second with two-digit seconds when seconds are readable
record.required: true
4,07
